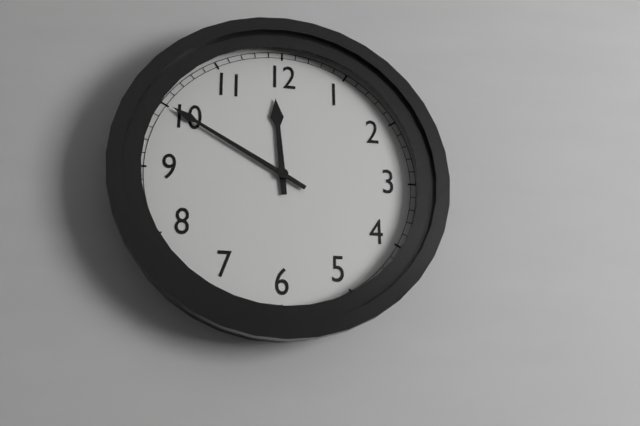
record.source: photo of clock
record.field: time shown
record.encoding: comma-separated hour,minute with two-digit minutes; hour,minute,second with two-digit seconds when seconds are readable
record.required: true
11,50
